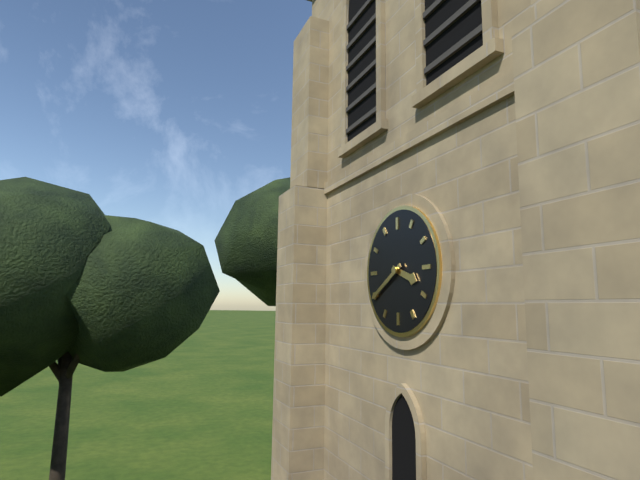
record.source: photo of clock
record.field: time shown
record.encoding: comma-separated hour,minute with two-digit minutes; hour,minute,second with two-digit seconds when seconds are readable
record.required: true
3,40
